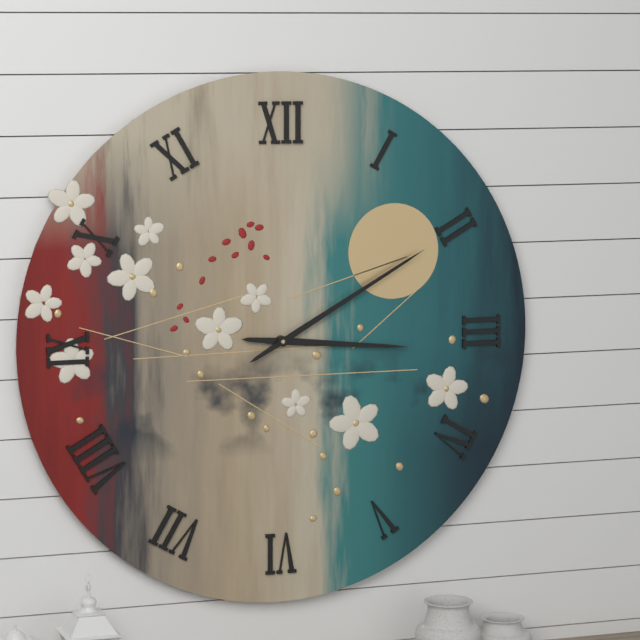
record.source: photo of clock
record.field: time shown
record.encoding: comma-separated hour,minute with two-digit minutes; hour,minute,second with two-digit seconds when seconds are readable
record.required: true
3,10
